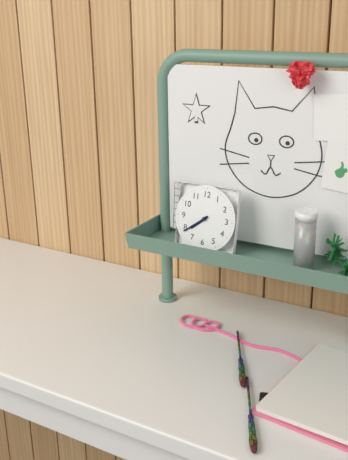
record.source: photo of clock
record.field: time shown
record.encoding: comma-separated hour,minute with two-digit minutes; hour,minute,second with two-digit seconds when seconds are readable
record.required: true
7,39
